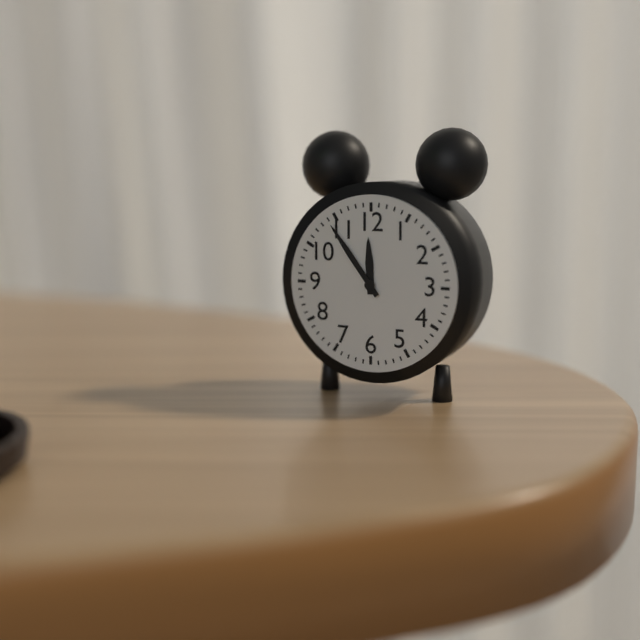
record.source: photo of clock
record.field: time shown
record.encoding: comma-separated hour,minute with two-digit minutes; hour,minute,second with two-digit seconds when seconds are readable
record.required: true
11,54
